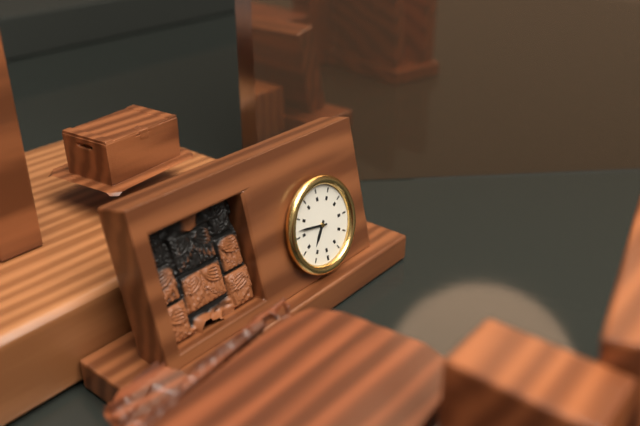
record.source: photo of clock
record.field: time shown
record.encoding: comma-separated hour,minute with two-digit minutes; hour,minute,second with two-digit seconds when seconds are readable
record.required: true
1,17
